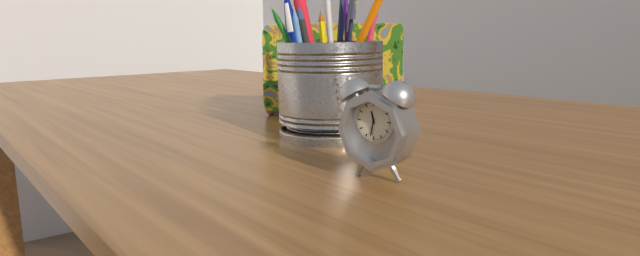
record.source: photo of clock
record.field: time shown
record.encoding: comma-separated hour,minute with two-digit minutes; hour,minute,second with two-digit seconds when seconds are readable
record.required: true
11,32
